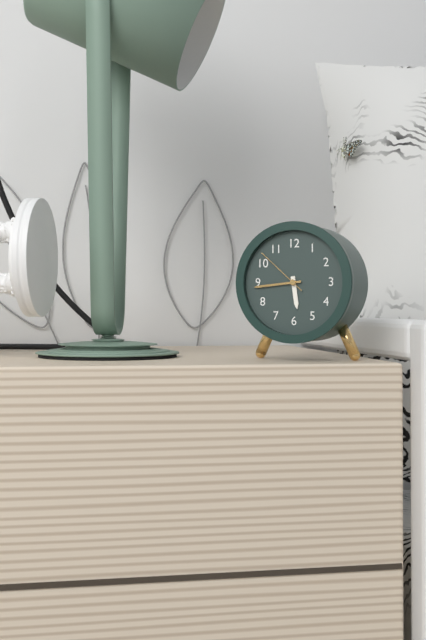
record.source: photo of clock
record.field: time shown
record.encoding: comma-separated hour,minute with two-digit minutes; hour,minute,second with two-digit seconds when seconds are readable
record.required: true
5,44,52
